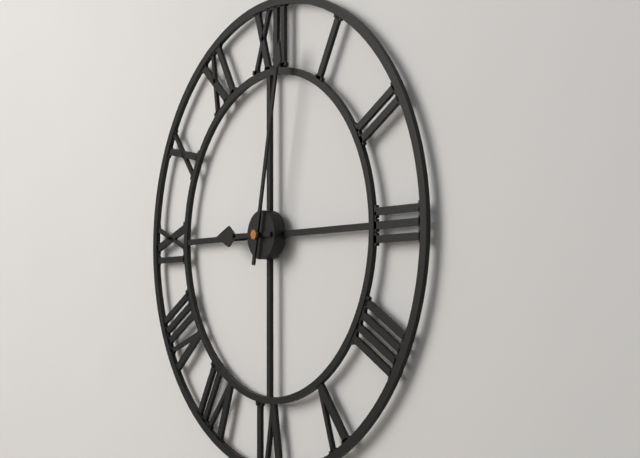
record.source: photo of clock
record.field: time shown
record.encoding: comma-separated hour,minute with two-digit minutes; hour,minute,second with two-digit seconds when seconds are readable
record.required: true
9,02
